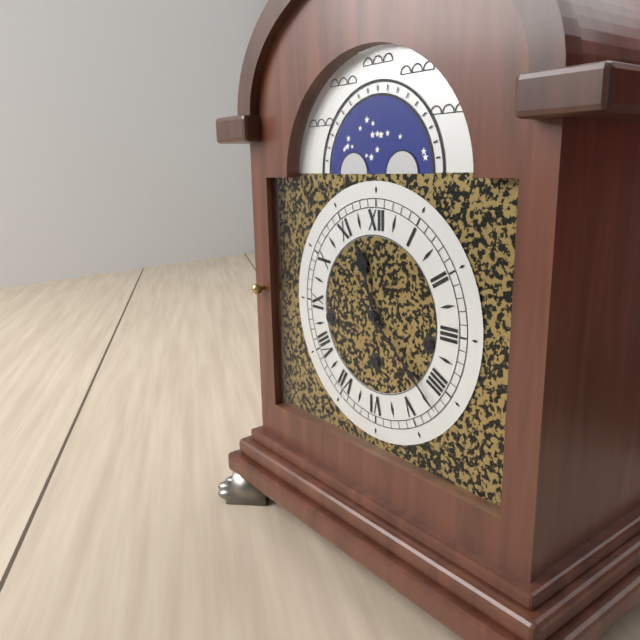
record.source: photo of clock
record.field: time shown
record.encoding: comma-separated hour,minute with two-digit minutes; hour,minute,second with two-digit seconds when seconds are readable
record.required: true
11,22
